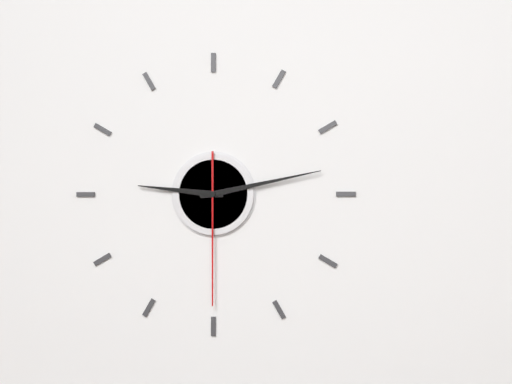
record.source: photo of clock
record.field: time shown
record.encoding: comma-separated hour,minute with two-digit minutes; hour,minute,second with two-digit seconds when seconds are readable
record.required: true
9,13,30
